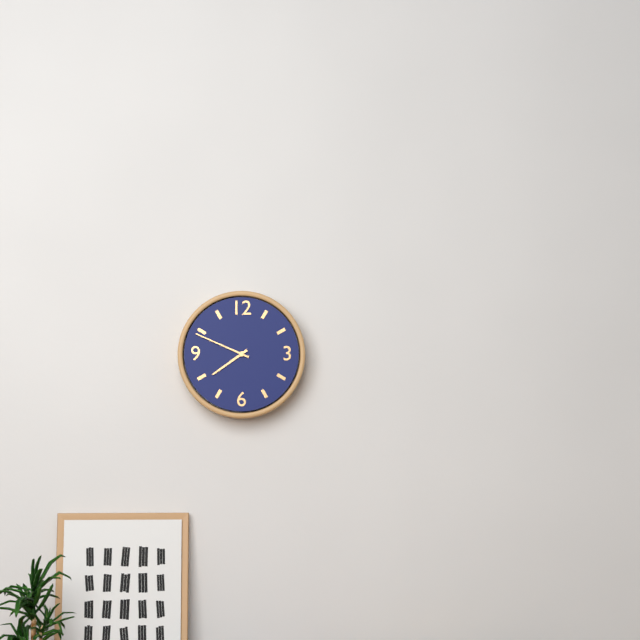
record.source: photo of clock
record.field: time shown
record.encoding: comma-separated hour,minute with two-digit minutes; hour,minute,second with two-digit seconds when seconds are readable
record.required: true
7,49
